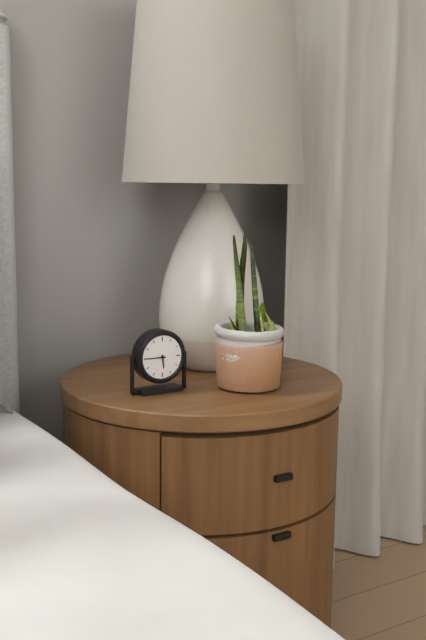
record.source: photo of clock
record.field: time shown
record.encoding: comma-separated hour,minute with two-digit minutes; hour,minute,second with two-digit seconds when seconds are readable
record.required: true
5,45
